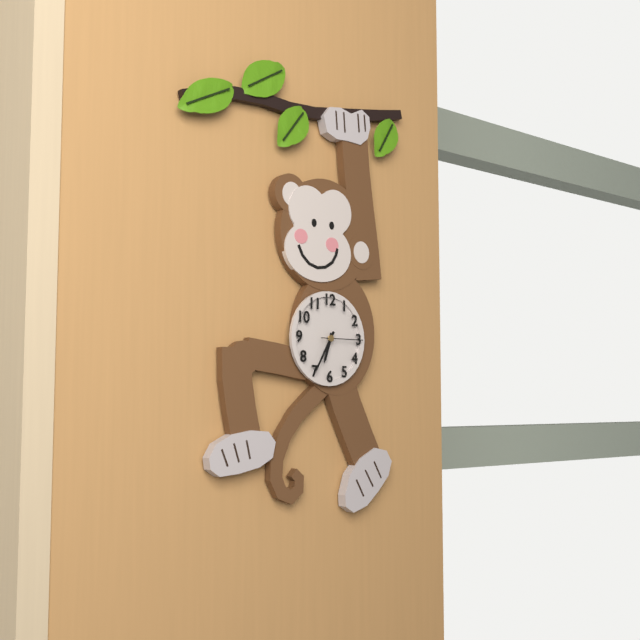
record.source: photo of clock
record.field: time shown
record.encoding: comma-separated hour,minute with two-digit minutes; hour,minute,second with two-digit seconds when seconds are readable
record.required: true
6,35,15
